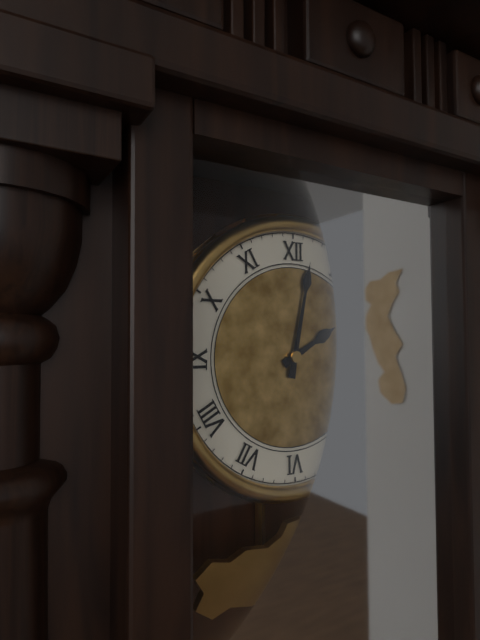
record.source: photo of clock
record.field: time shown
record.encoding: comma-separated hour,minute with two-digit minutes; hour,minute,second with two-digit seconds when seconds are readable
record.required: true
2,02
